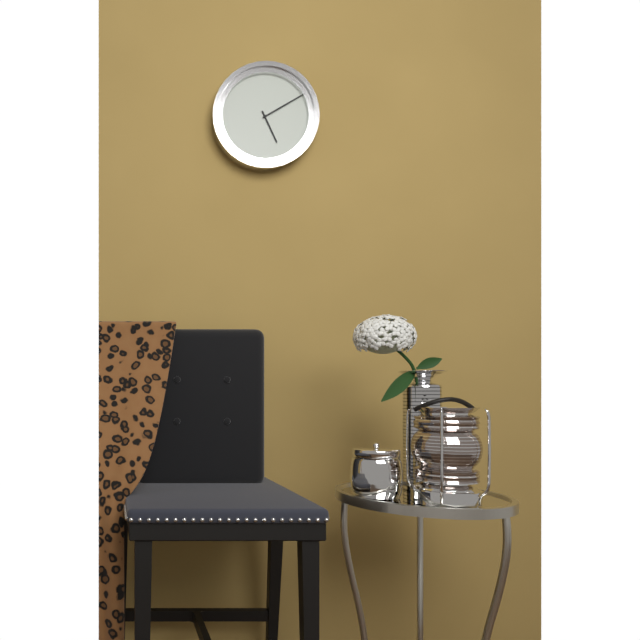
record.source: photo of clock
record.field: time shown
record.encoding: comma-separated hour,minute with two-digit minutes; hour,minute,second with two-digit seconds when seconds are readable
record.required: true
5,10
